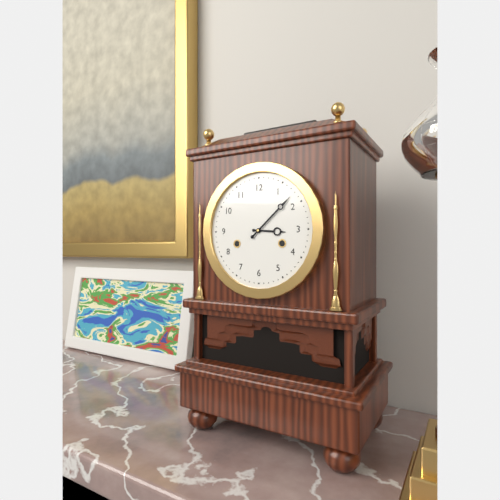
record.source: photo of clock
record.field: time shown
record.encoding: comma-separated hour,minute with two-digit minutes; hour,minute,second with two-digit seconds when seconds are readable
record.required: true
3,08
